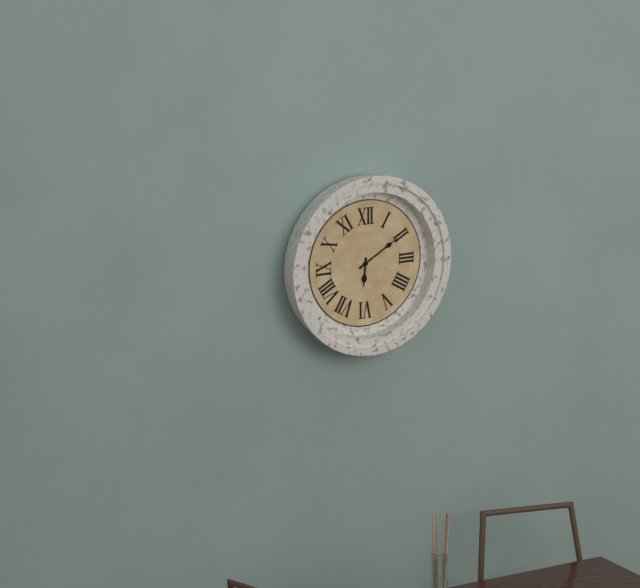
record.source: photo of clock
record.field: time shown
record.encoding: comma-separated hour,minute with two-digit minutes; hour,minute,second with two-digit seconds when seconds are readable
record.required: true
6,10
